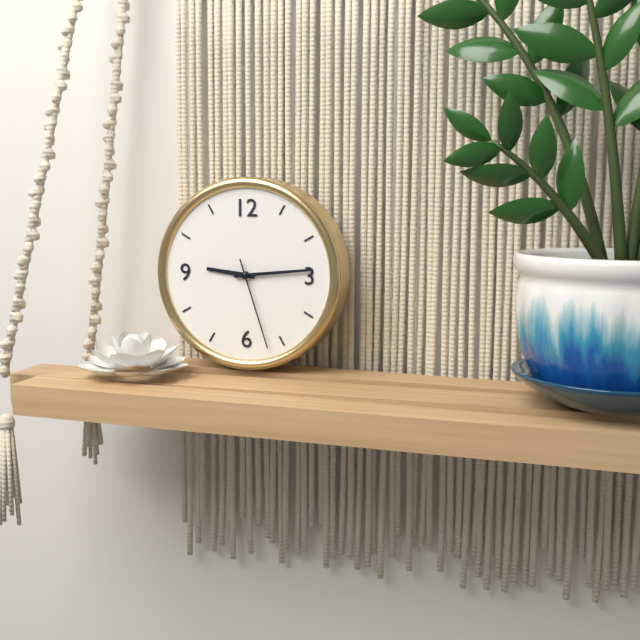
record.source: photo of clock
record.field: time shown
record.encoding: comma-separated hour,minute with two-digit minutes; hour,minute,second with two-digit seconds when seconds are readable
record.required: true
9,14,27
